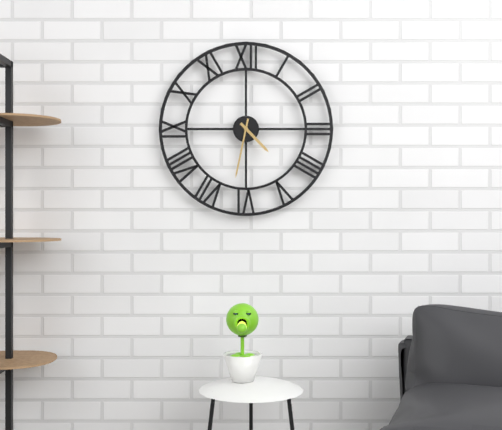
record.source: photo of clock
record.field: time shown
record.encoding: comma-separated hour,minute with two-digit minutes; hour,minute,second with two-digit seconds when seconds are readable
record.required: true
4,32
